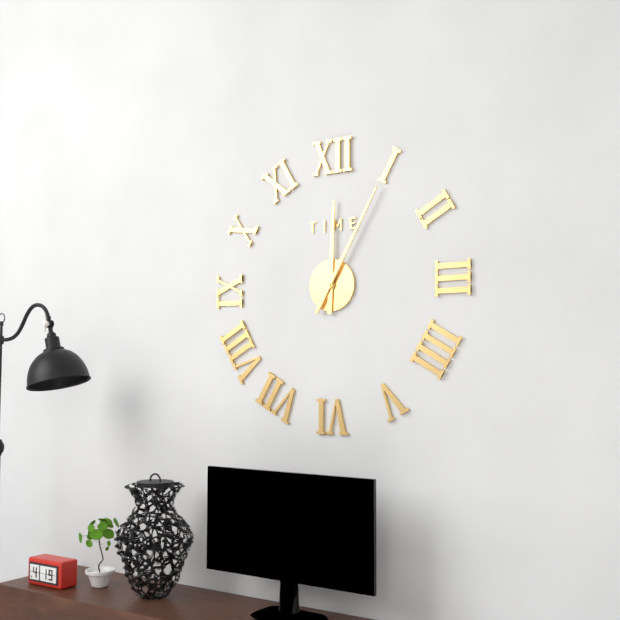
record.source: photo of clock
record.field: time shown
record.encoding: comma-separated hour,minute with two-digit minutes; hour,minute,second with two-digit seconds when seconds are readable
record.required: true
12,05
